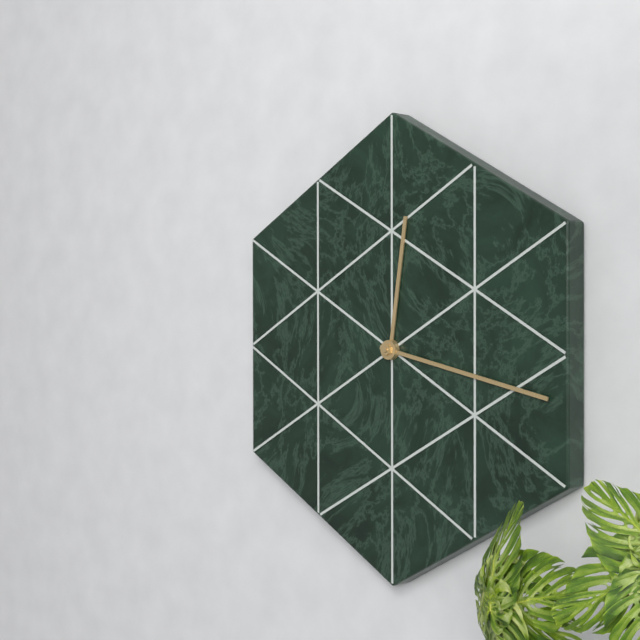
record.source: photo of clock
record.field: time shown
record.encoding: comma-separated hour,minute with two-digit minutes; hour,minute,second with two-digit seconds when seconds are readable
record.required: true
12,17
